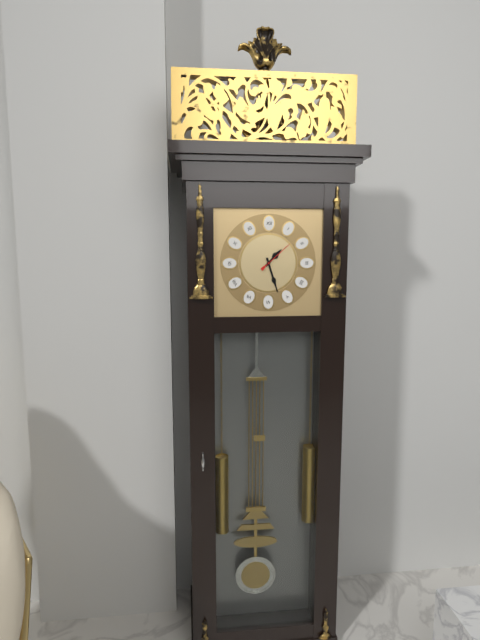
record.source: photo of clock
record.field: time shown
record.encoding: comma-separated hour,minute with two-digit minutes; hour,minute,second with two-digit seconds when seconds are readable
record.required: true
1,27
